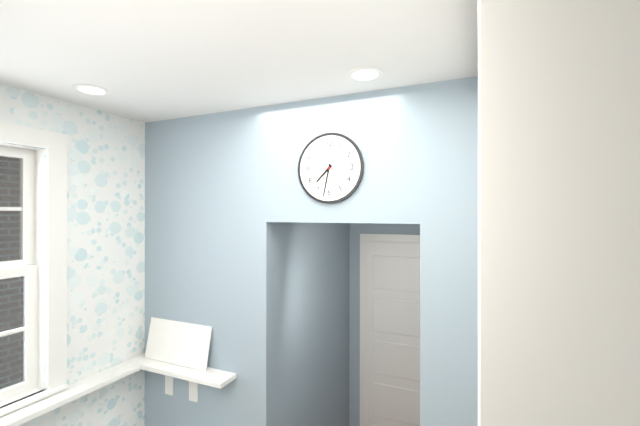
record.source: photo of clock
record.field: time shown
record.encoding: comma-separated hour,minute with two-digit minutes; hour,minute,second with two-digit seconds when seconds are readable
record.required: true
7,32
